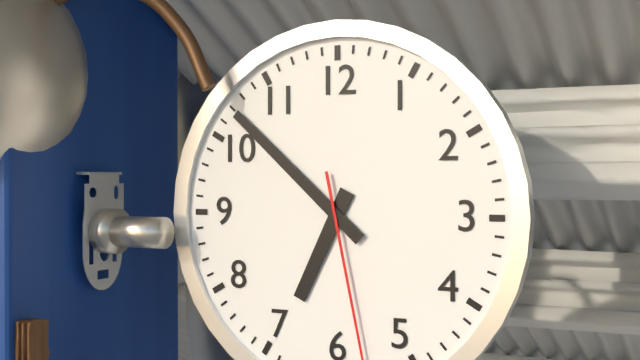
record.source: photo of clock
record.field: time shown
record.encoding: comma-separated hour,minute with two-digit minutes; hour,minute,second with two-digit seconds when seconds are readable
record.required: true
6,52
